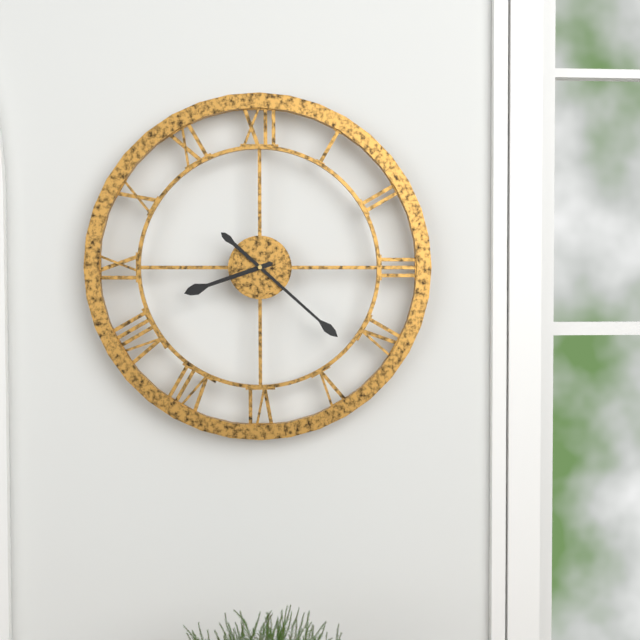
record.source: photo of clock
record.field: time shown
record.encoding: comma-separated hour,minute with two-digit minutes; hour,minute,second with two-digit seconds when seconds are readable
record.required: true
8,22
